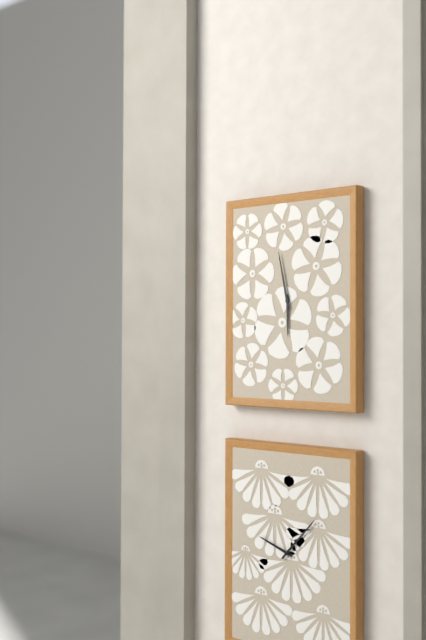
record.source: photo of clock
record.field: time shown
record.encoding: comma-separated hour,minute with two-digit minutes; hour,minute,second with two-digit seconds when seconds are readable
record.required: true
5,58
